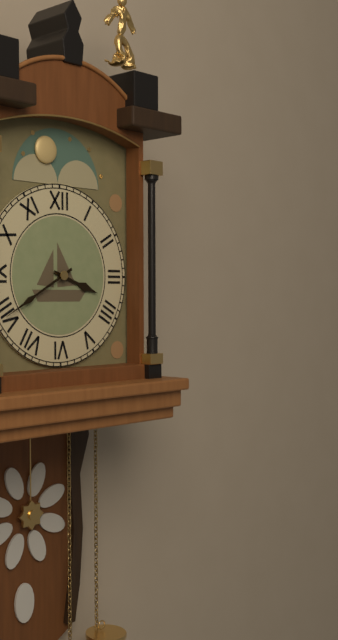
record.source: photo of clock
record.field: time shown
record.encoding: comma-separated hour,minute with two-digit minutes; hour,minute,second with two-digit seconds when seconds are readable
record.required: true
3,40
